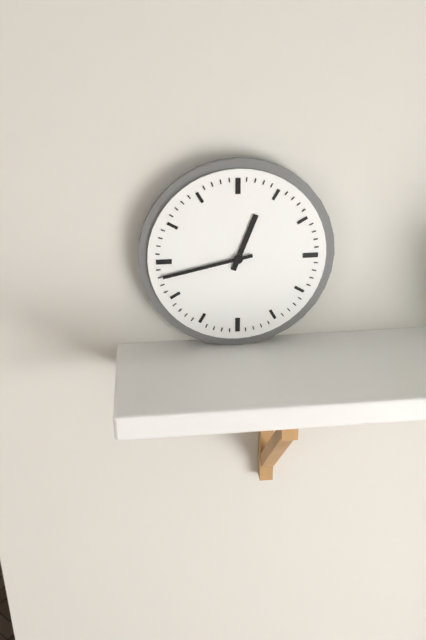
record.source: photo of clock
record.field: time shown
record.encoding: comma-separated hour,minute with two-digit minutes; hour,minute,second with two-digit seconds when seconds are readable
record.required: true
12,43
